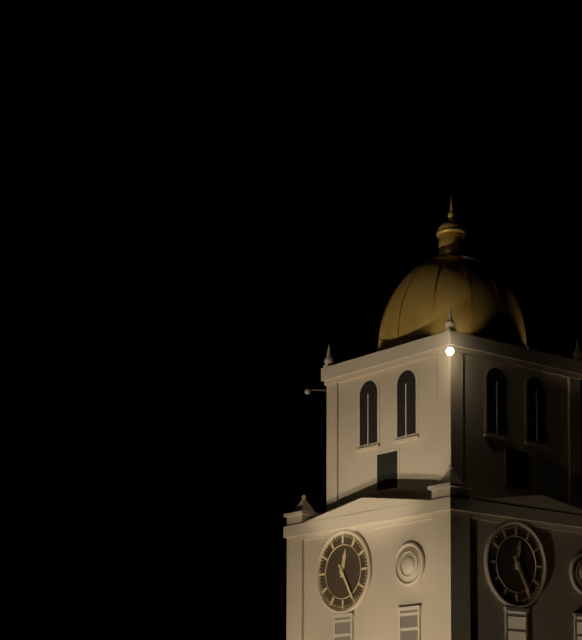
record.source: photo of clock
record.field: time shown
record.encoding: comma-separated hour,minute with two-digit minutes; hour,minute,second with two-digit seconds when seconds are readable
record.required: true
12,25
